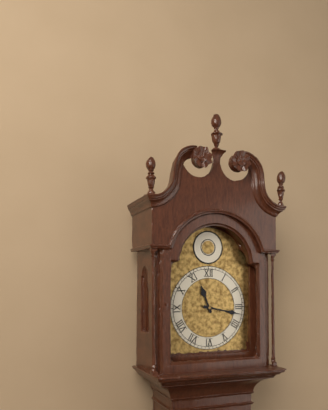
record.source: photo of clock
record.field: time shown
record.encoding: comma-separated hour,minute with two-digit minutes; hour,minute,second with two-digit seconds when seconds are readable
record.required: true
11,17
